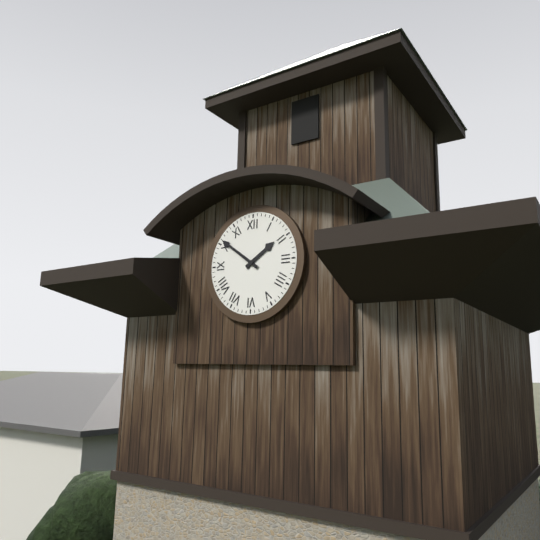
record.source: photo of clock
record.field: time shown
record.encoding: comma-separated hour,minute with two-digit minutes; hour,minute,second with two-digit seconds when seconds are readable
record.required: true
1,51
